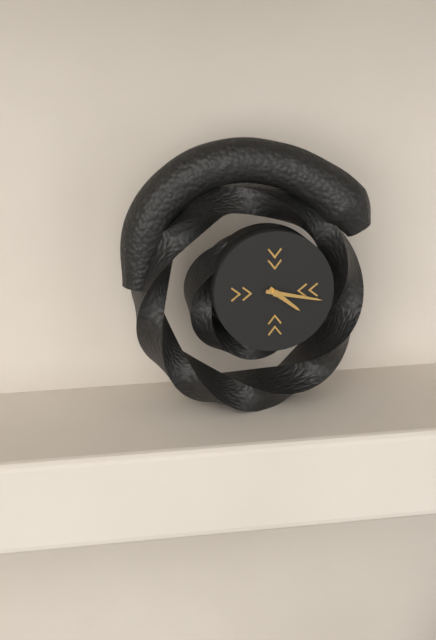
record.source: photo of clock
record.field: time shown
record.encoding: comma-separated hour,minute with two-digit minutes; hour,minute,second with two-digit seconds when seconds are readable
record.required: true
4,17
